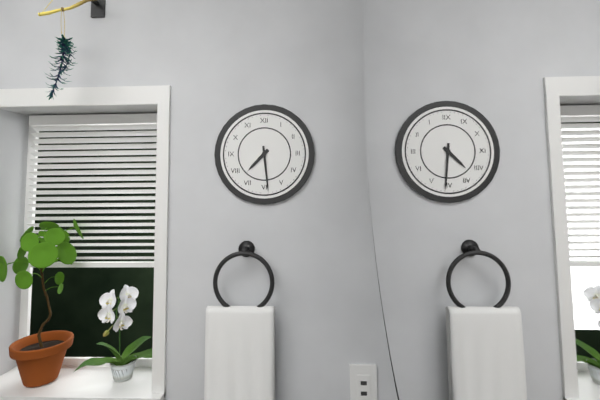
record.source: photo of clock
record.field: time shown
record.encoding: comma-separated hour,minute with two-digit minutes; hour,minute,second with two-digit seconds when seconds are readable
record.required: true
7,29
